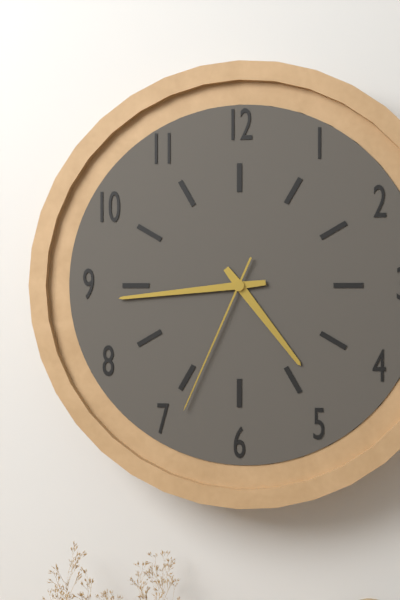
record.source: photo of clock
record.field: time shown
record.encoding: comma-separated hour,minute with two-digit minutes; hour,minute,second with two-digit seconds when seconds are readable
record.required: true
4,44,34
